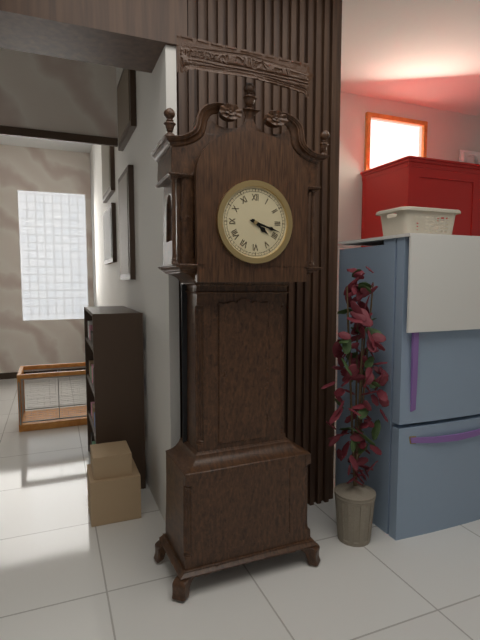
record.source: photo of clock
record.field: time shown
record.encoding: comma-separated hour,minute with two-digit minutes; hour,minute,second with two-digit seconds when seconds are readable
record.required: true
4,18
